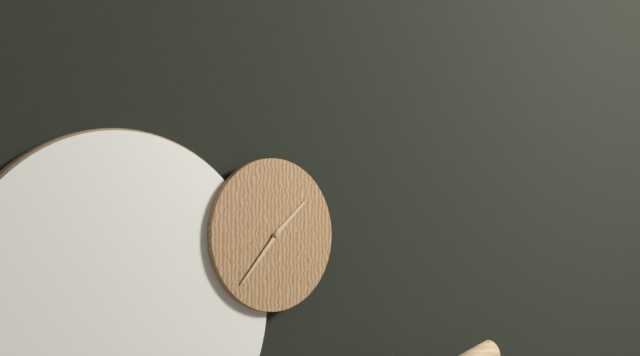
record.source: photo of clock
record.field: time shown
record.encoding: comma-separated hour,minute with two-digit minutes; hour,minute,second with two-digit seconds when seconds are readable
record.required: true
1,37
